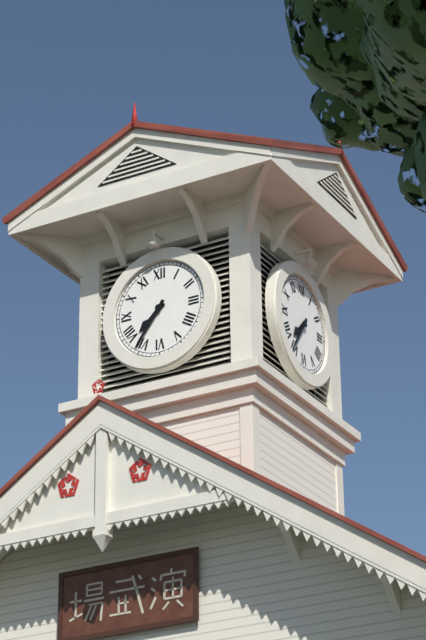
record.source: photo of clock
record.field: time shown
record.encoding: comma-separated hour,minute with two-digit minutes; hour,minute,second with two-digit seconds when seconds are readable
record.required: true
7,36
